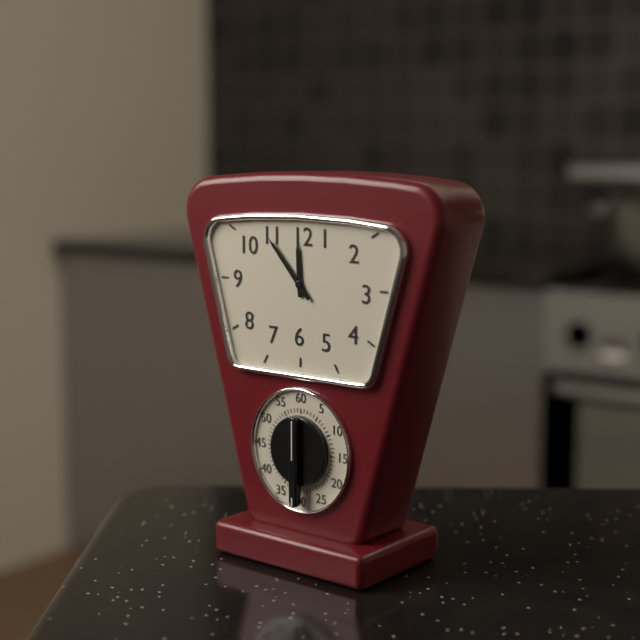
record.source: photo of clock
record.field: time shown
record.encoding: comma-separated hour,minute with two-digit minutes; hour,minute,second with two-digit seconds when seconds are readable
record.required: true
11,53
